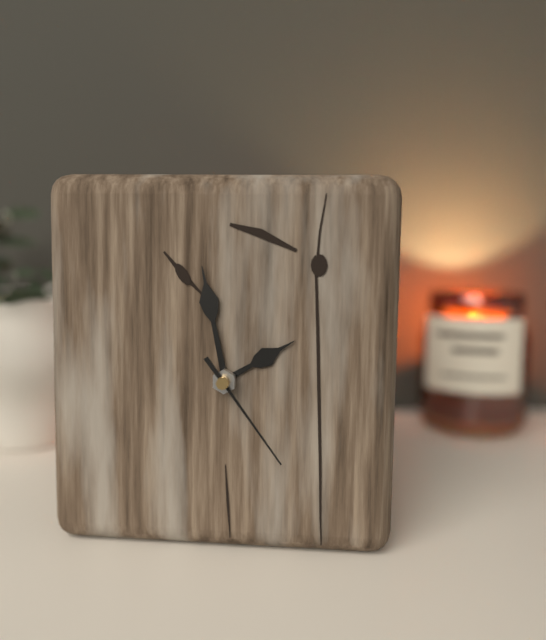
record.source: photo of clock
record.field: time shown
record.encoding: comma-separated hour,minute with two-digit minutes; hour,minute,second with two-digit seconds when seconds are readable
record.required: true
1,58,24
